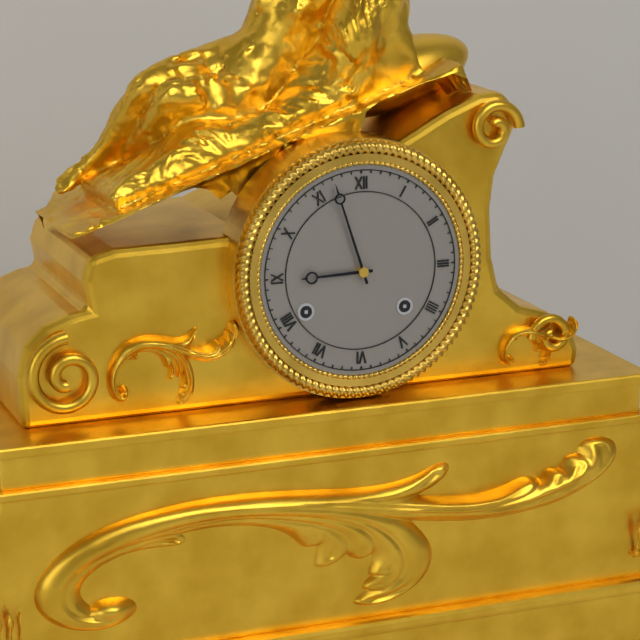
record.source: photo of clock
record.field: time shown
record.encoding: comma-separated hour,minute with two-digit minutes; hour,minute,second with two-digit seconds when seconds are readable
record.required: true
8,57
